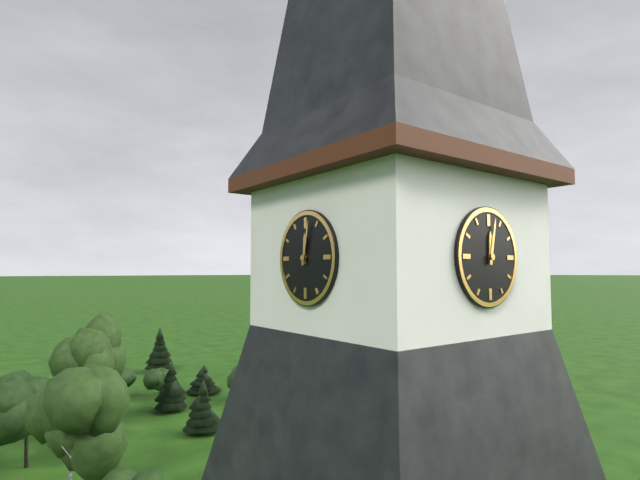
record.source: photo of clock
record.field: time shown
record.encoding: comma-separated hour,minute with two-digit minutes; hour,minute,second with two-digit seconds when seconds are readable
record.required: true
12,02
